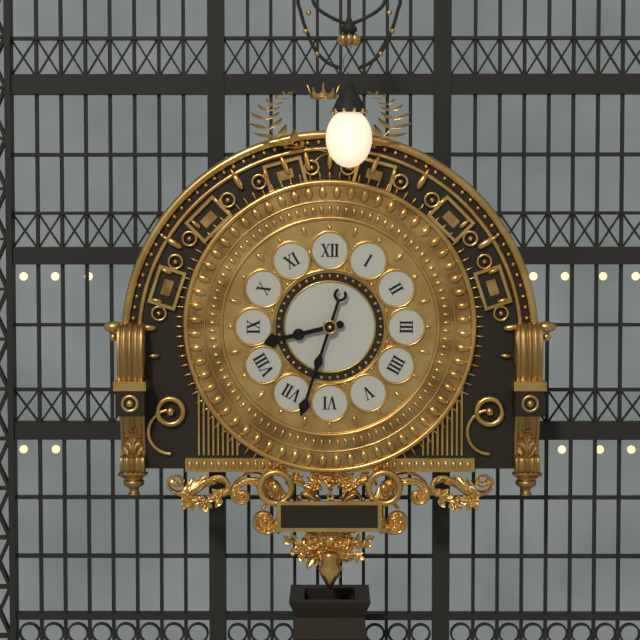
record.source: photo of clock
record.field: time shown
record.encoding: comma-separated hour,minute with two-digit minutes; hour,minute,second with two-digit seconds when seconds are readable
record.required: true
8,33
